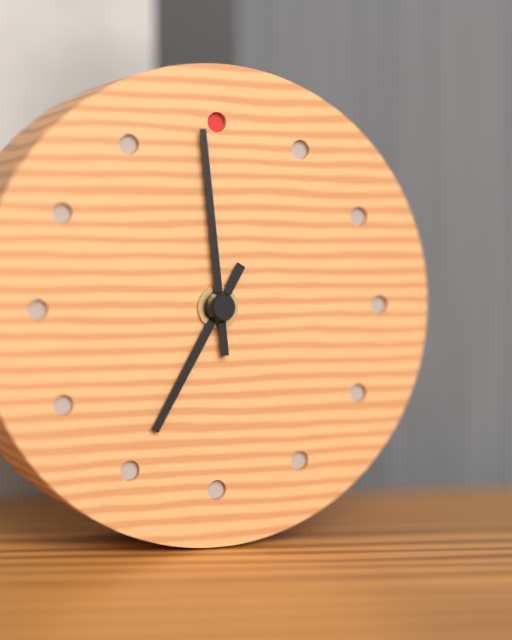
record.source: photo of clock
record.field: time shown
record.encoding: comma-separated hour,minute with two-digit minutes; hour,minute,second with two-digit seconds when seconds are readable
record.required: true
6,59
